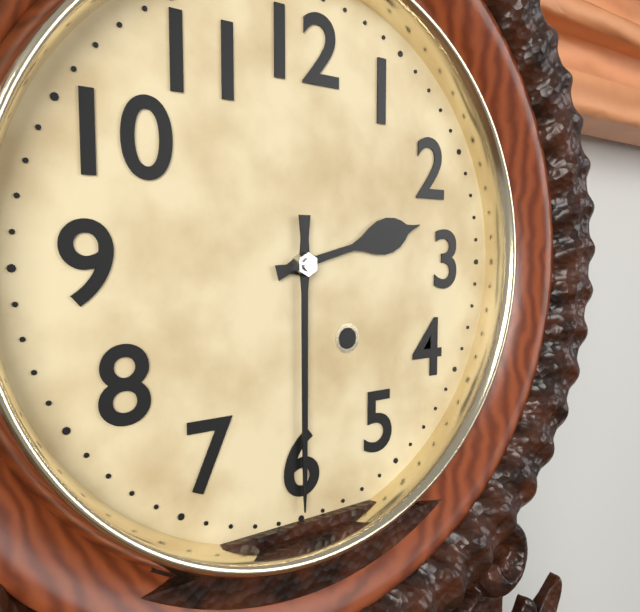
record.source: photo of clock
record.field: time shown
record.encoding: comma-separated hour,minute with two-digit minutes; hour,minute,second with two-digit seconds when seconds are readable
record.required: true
2,30
